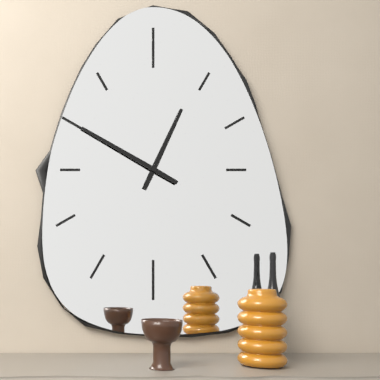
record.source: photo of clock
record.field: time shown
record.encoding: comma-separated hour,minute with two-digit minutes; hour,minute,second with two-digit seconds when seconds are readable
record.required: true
12,50
